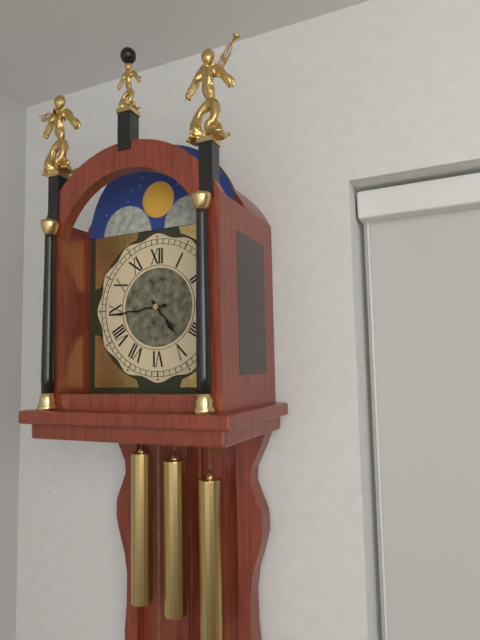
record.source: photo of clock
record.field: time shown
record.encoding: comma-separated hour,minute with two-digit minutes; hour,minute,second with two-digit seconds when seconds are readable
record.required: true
4,44
